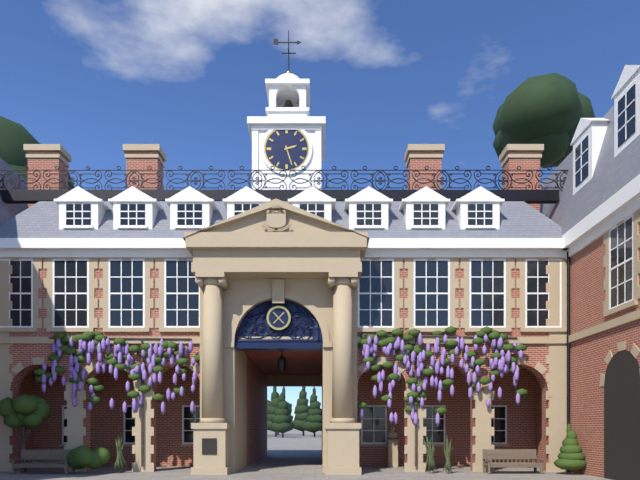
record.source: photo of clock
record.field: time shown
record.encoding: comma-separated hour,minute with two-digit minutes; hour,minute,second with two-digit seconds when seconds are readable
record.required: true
2,27
